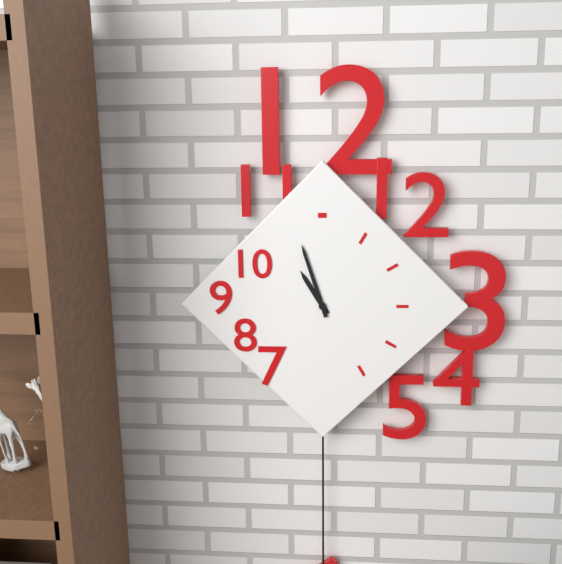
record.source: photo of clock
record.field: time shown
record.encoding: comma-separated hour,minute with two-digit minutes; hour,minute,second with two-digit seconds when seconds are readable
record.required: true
10,57
